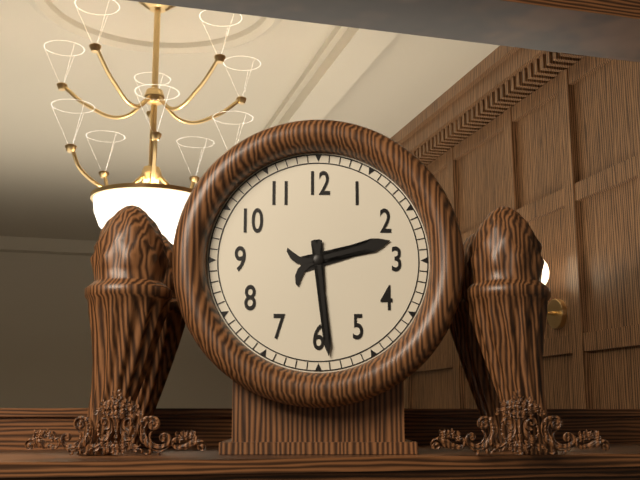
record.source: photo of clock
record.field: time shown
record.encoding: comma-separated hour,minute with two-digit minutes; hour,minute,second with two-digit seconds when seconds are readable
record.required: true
2,29
